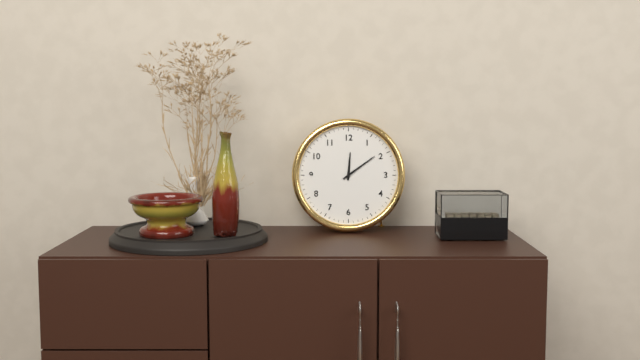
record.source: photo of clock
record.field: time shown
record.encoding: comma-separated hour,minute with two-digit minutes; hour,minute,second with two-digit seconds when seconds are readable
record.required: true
12,09
